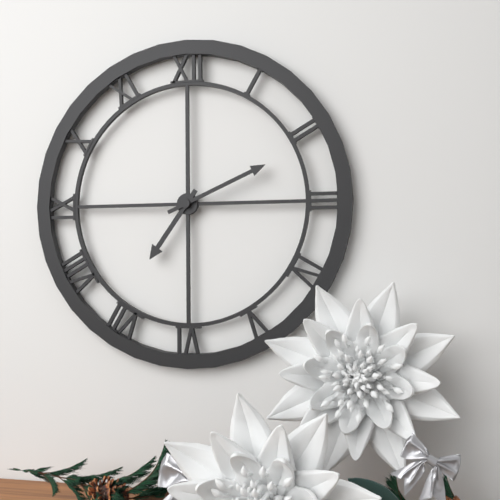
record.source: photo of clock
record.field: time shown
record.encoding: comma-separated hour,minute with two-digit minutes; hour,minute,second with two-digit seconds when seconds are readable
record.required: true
7,11
